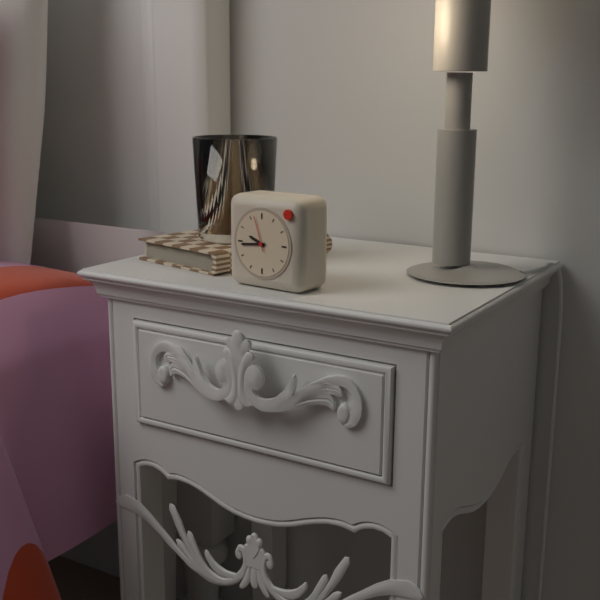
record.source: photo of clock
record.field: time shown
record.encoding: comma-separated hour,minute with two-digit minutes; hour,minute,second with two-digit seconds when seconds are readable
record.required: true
9,44
